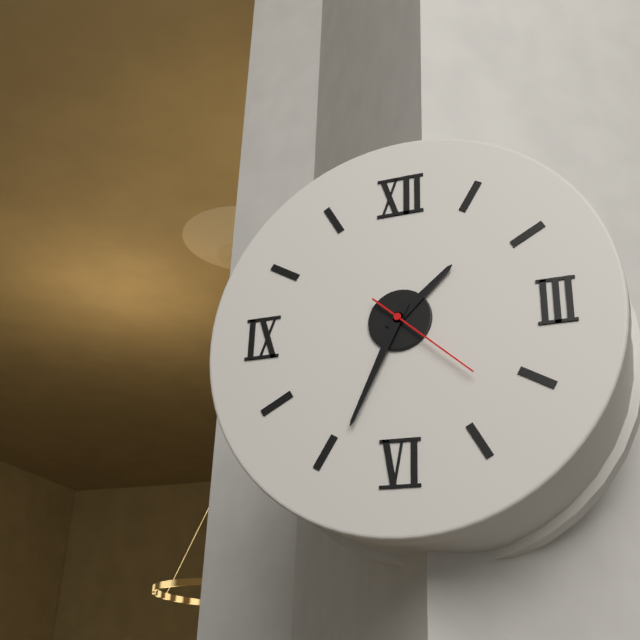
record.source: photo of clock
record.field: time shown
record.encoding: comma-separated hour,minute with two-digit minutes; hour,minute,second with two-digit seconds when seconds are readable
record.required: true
1,34,22
